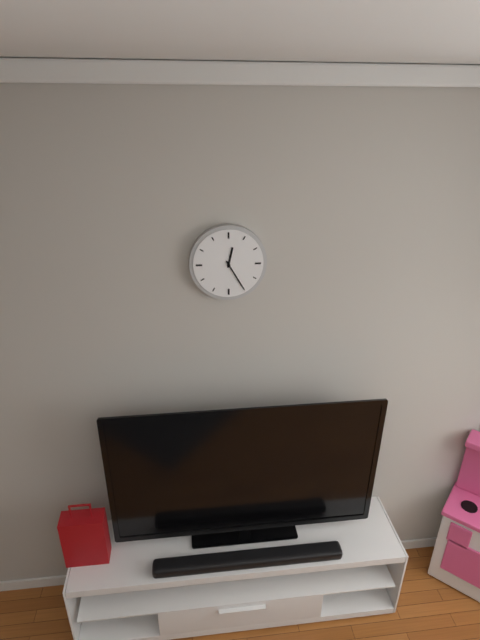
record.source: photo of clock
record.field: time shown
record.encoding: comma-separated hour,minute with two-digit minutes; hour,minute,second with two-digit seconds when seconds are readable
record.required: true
12,25
